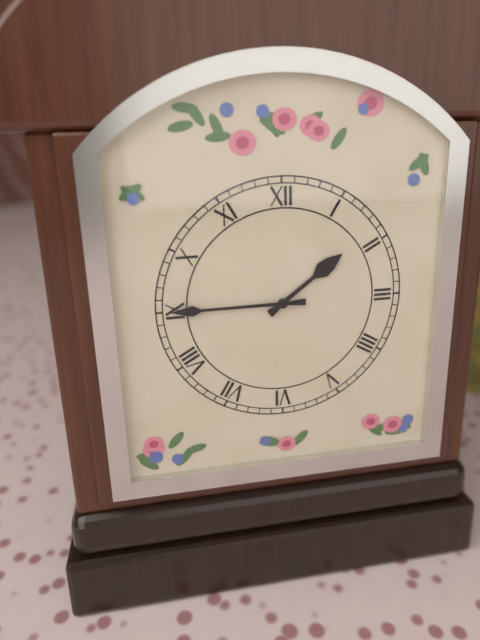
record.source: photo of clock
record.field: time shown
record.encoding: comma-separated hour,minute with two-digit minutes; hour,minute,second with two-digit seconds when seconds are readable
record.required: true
1,45
